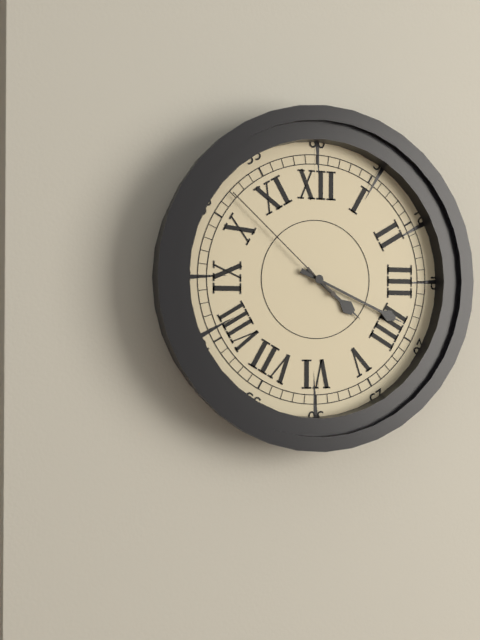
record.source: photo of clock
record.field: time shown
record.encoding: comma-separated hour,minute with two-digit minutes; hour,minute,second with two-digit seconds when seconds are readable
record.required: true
4,19,52
